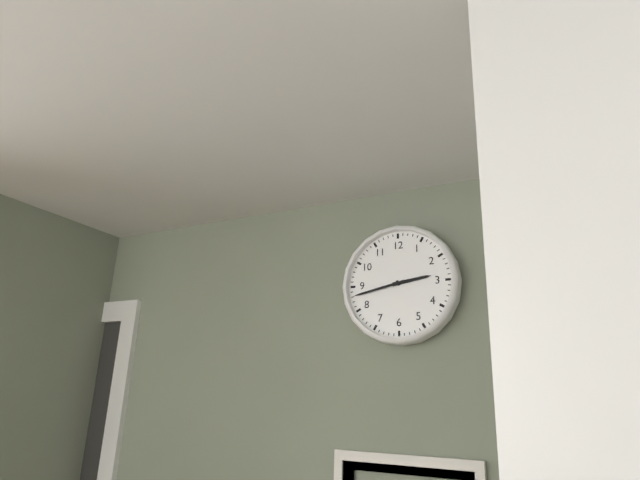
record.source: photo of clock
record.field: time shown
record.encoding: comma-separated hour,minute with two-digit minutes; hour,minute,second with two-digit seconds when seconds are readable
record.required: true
2,43
